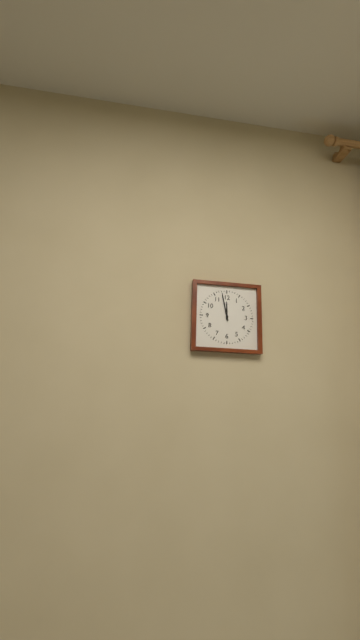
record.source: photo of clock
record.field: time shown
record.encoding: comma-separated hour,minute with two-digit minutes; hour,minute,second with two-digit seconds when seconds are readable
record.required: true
11,58
